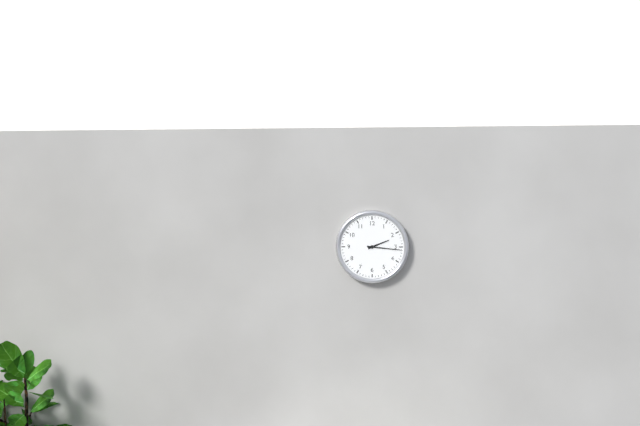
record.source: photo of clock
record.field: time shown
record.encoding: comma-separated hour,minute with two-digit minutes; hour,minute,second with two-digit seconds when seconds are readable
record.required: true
2,16
